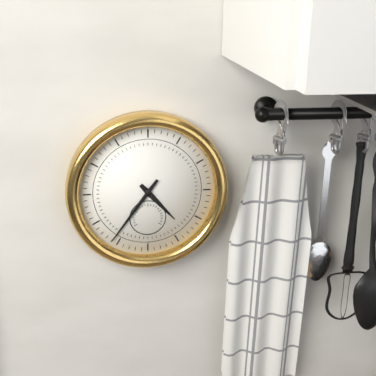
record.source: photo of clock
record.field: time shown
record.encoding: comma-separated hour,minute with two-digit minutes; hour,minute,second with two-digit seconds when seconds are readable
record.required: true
4,36
